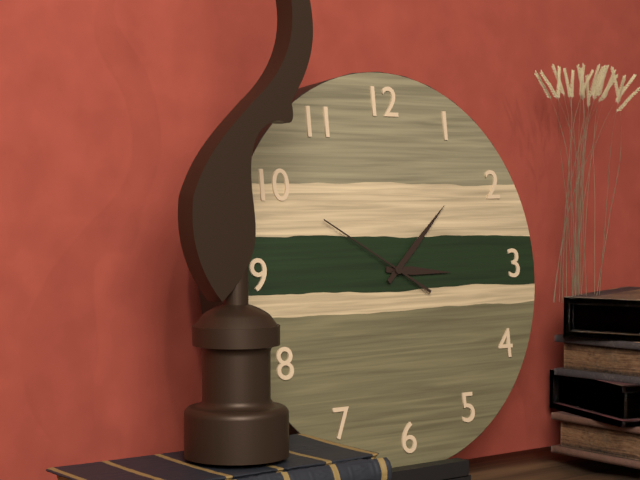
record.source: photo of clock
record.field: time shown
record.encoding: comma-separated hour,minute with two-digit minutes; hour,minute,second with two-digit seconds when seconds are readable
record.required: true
3,08,50
